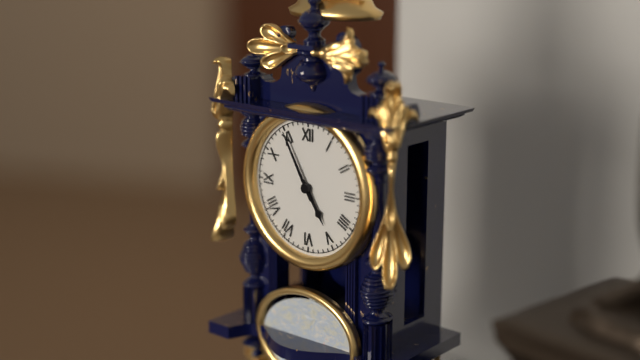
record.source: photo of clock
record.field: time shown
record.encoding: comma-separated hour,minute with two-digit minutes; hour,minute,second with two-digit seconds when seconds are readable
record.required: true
4,55
